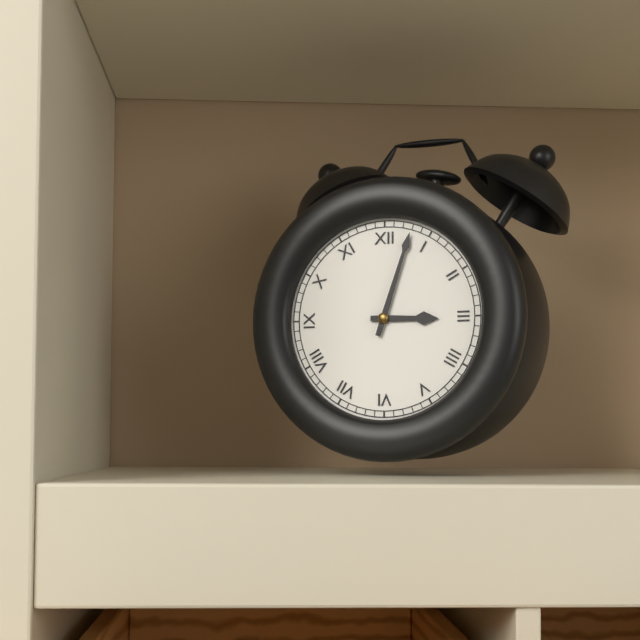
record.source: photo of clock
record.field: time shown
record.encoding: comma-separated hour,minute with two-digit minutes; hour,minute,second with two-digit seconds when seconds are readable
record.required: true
3,03
